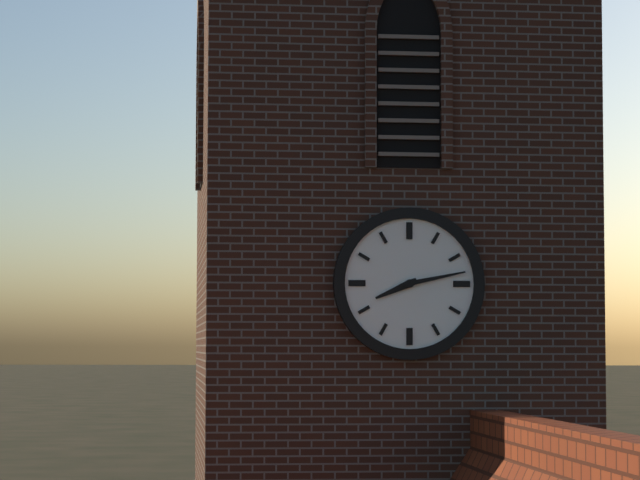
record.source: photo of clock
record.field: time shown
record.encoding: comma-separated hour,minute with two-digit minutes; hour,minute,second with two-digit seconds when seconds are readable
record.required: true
8,13
